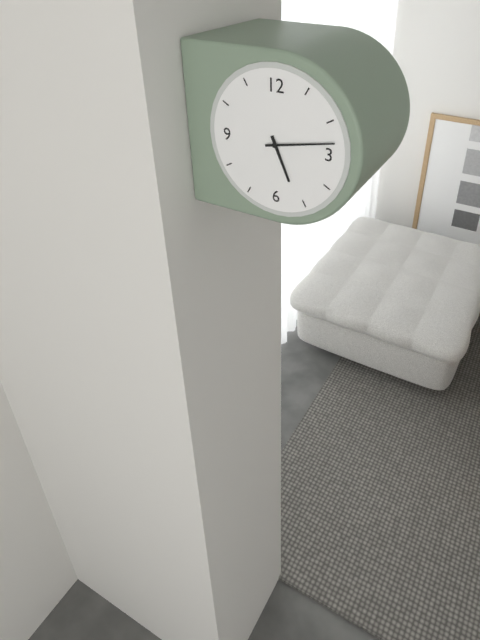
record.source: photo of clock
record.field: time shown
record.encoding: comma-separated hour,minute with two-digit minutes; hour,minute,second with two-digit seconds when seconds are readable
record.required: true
5,13
